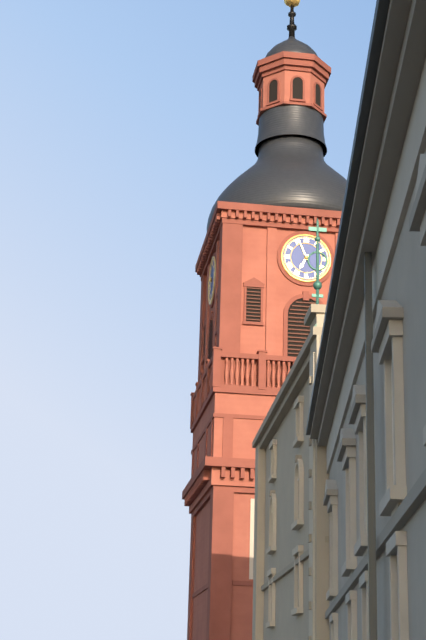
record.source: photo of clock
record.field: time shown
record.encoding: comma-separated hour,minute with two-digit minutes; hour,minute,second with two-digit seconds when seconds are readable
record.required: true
6,56
